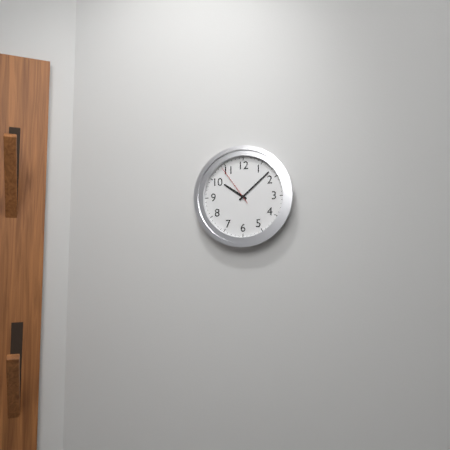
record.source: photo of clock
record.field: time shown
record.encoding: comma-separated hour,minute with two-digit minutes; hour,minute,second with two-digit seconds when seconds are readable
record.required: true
10,08
